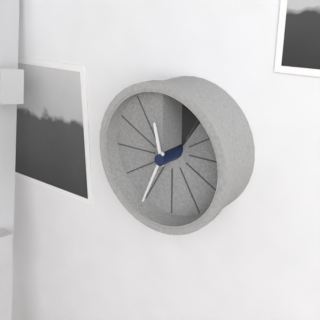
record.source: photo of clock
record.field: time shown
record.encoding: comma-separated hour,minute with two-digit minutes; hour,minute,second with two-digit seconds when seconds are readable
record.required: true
11,34
